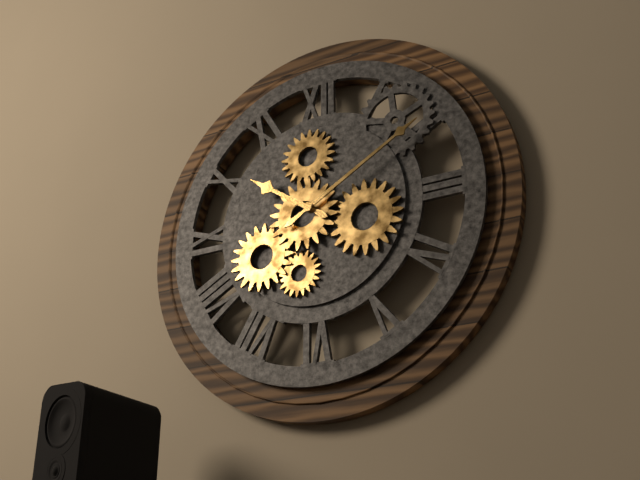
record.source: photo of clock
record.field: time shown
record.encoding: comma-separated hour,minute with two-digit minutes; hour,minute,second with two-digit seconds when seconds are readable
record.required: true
10,10
